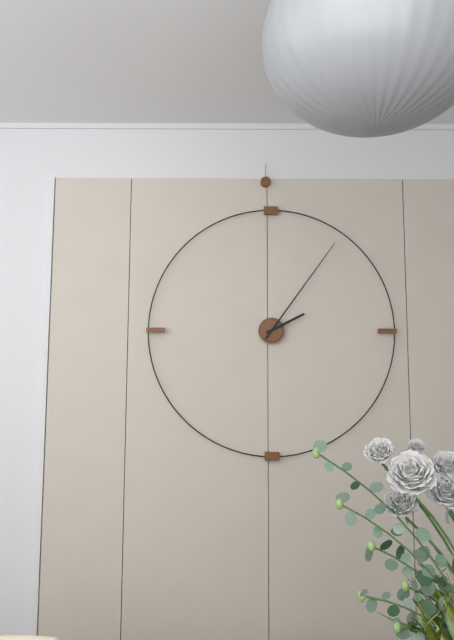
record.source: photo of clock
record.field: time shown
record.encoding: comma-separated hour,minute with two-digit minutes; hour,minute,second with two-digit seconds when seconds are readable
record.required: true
2,06
